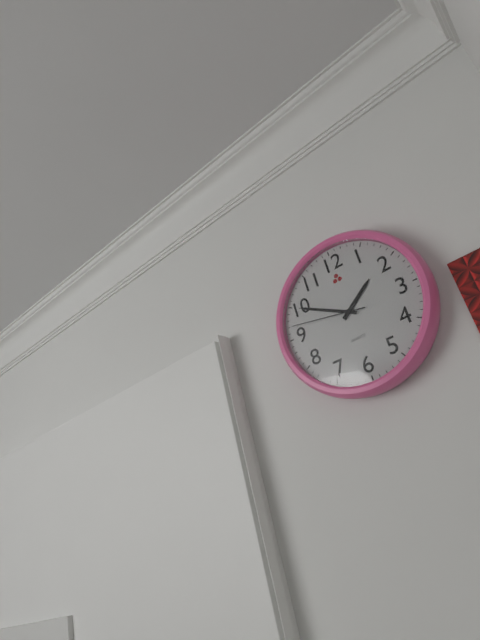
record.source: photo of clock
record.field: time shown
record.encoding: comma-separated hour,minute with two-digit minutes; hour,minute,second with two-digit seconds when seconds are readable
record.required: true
1,50,47
